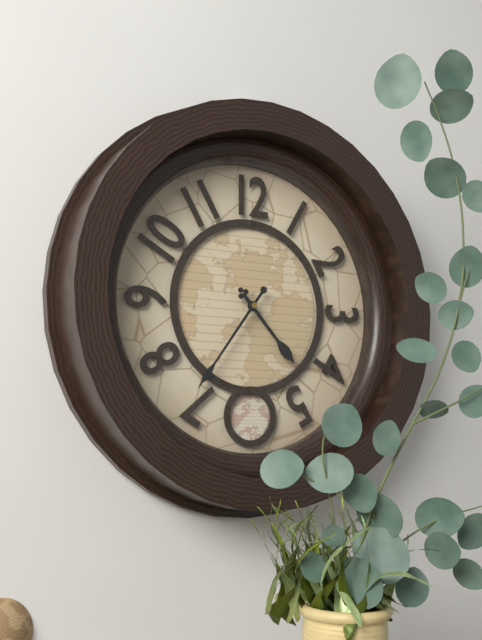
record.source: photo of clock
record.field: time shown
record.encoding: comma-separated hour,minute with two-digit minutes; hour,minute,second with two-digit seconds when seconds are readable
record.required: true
4,36
